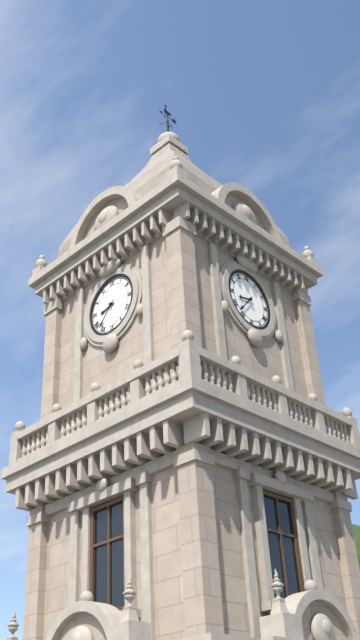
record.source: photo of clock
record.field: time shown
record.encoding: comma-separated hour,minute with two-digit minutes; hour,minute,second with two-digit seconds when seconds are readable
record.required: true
8,37
